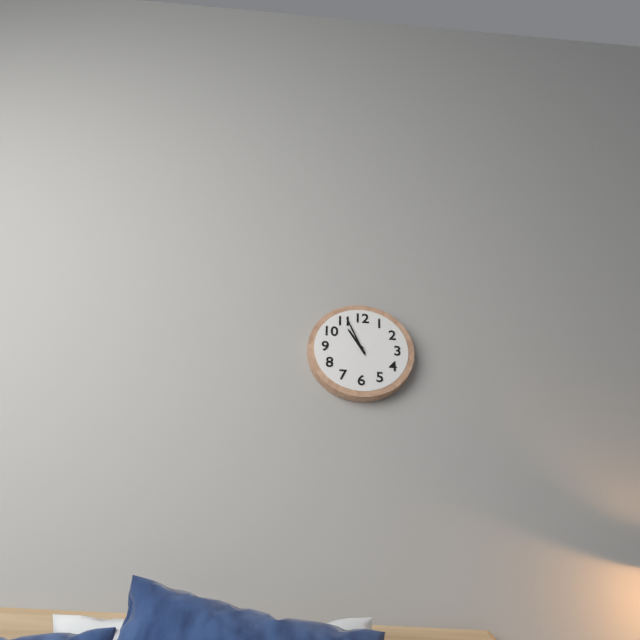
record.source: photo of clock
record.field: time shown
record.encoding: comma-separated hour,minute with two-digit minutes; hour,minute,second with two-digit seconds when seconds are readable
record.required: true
10,56
